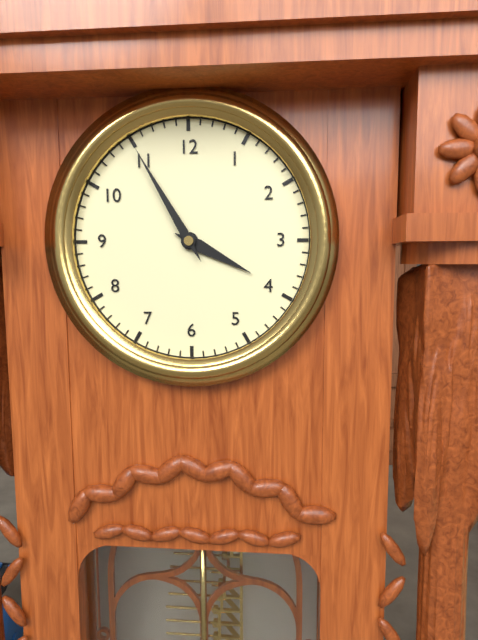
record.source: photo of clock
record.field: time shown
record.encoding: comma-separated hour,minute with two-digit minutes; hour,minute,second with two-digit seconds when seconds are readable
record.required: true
3,55
